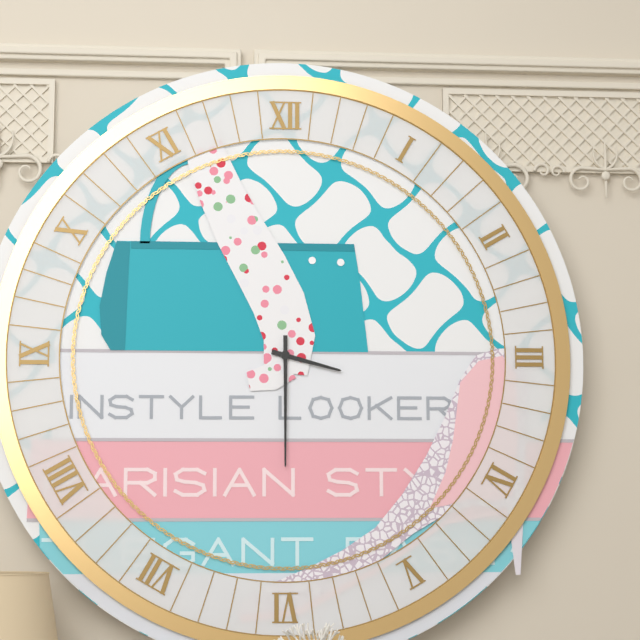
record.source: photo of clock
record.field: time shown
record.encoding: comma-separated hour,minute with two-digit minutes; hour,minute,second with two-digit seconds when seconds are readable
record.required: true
3,30
